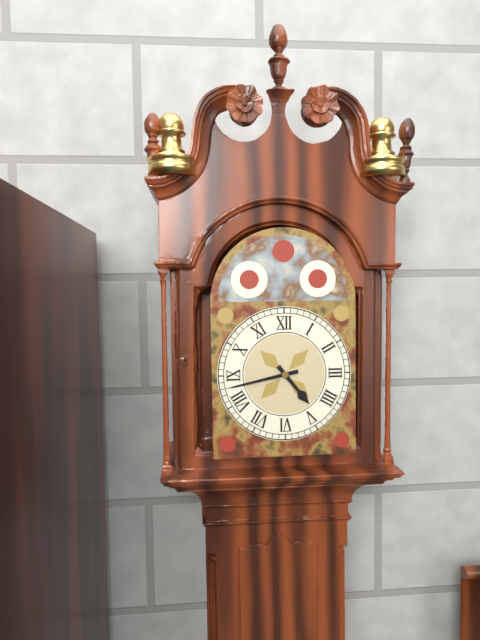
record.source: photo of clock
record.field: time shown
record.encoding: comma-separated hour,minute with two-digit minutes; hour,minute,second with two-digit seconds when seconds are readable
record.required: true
4,43
